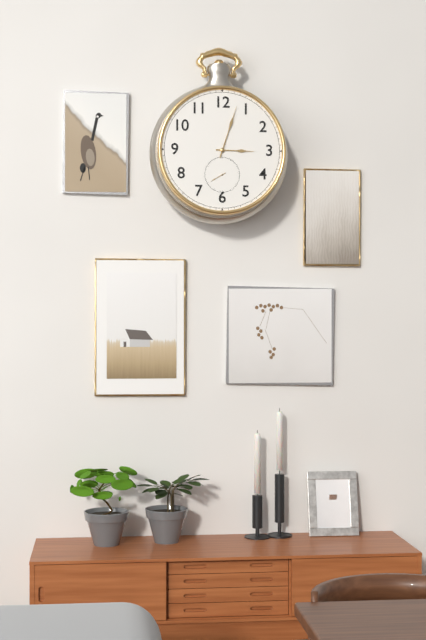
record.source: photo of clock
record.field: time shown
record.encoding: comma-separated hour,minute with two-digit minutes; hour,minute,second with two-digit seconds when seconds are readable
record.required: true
3,03
